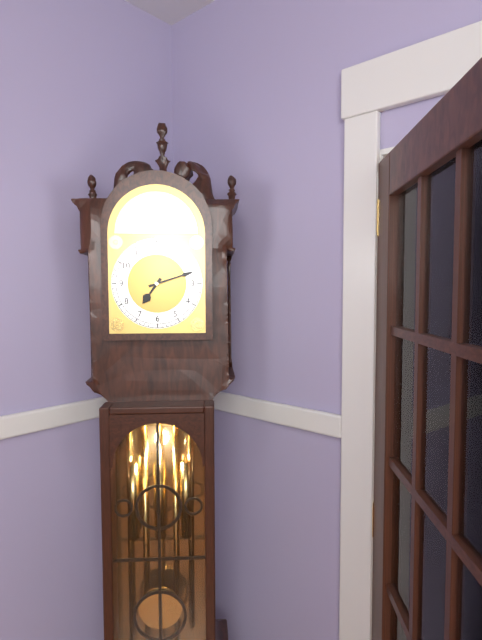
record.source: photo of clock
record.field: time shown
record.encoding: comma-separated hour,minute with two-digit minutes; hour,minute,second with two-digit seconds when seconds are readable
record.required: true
7,12
